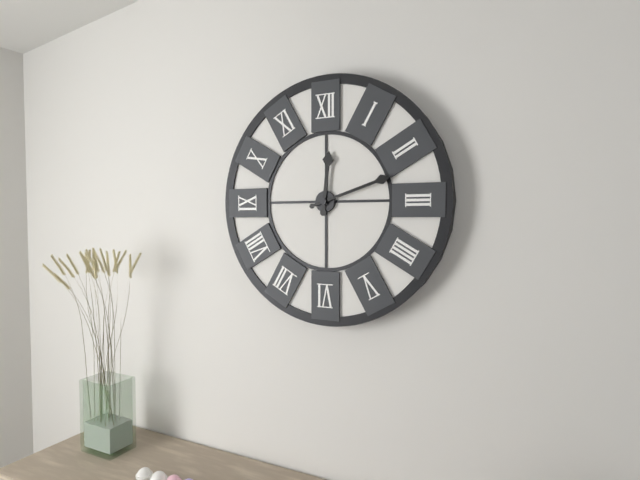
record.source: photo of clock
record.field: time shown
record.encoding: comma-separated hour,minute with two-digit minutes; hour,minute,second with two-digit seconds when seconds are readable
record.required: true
12,12
